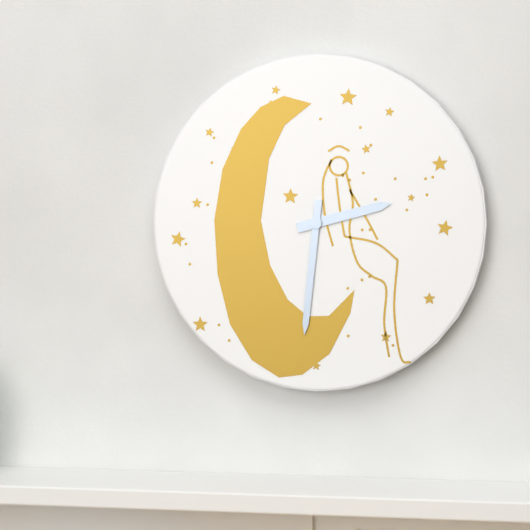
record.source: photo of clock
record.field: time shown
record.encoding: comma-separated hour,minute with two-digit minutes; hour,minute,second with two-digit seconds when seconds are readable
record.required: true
2,31
